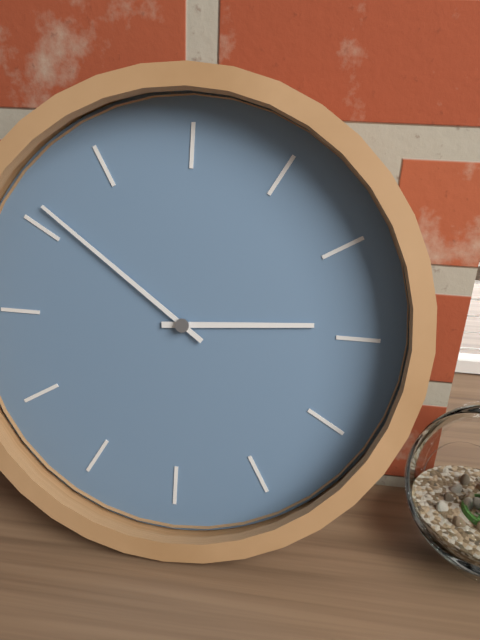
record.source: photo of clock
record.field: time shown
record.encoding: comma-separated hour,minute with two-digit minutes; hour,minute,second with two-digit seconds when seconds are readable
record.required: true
2,51
